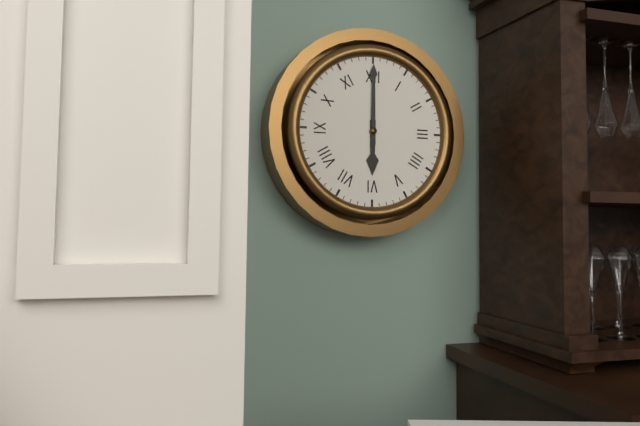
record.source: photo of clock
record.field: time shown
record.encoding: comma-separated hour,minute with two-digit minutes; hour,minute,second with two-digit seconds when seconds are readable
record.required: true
6,00
